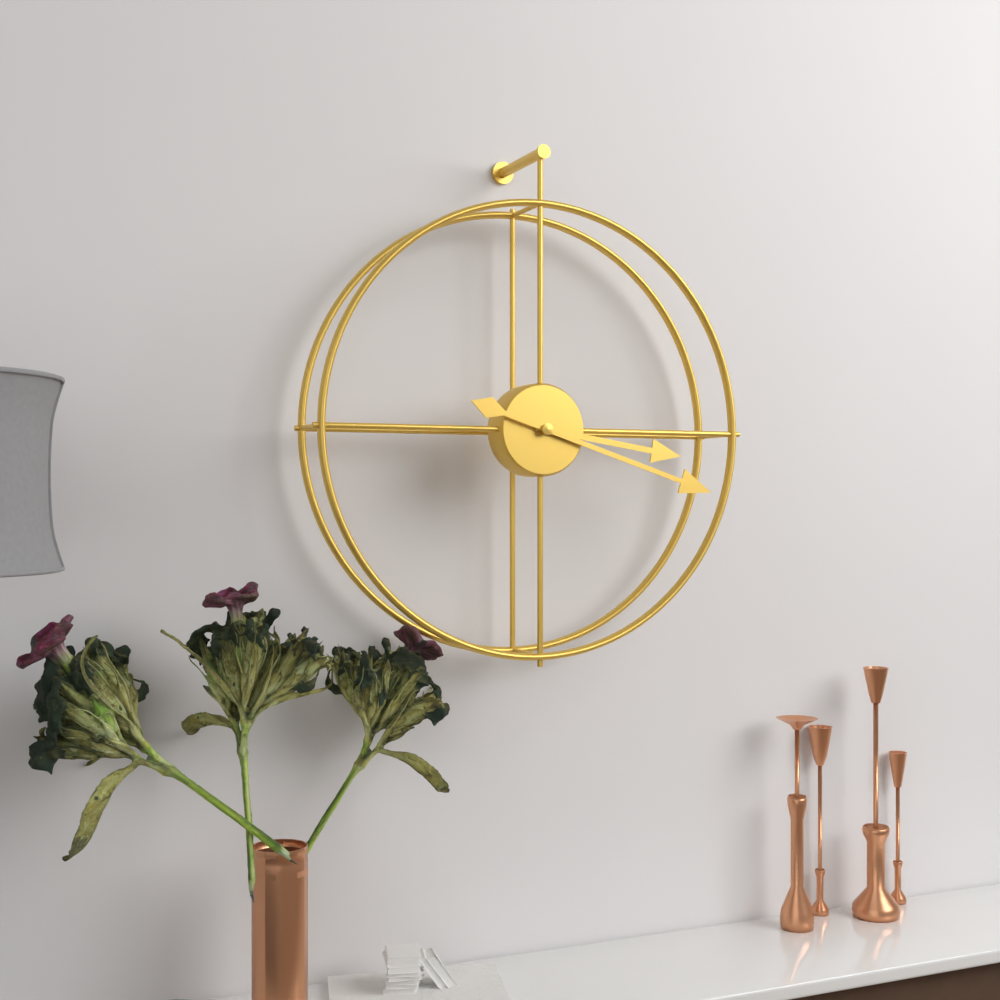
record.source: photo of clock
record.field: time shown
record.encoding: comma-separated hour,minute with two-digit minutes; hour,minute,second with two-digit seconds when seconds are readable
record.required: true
3,18
